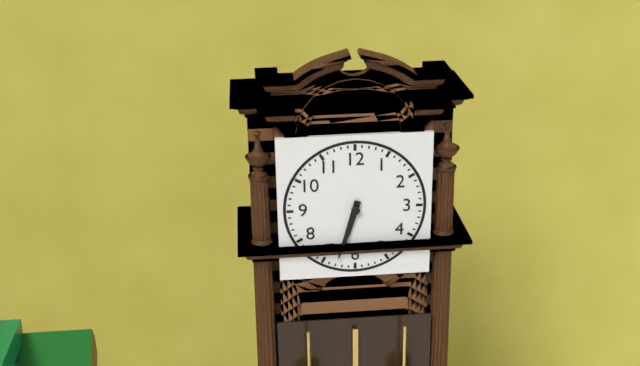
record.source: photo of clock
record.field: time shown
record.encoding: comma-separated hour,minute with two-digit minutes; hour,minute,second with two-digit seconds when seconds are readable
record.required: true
6,33
